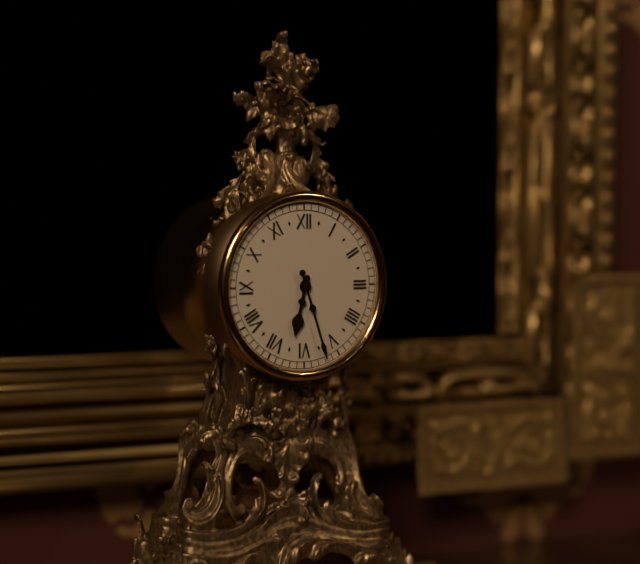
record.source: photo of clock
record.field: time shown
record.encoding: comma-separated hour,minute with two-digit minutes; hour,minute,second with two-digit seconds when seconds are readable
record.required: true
6,27
